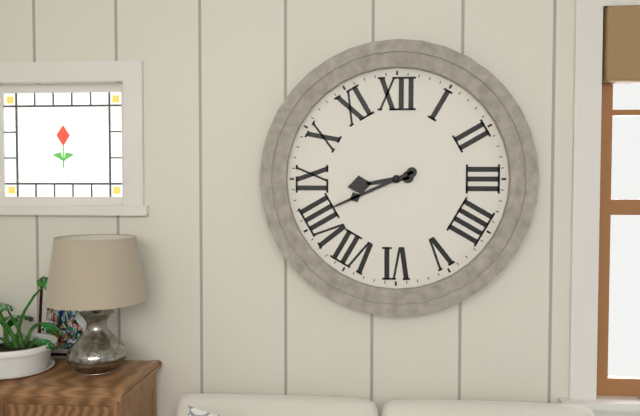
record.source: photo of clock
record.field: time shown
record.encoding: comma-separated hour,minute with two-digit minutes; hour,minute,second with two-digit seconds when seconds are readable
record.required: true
8,41
